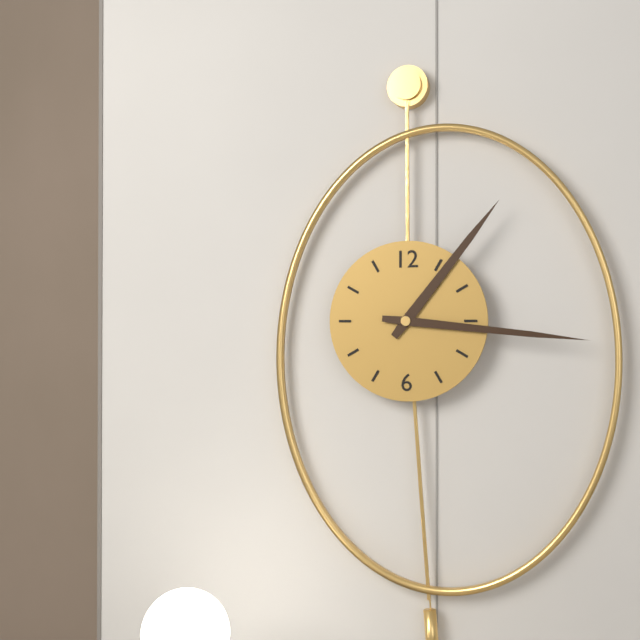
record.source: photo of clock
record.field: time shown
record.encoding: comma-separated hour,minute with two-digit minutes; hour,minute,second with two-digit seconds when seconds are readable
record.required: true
1,16
